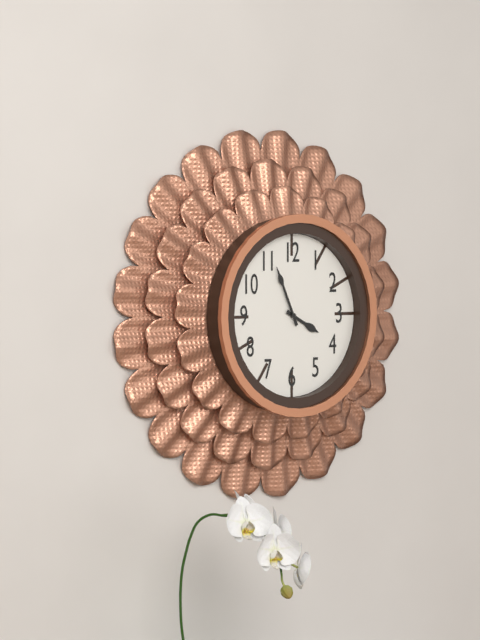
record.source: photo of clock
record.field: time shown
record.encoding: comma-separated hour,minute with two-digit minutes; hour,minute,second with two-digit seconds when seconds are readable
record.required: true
3,56
